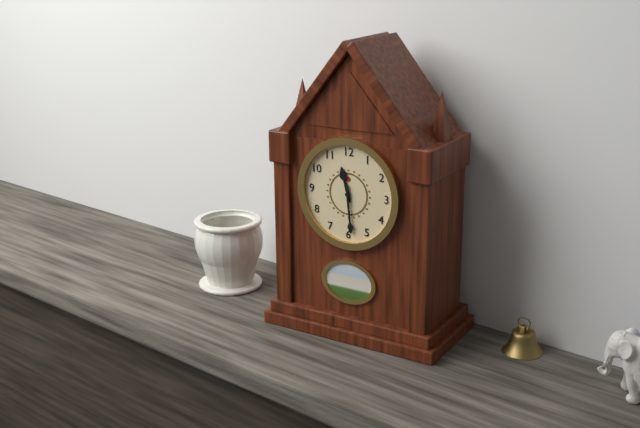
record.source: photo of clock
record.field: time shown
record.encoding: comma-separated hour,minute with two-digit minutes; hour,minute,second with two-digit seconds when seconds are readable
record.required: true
11,29
